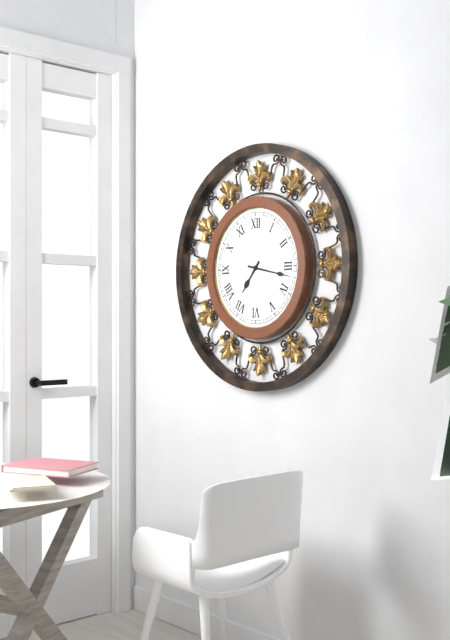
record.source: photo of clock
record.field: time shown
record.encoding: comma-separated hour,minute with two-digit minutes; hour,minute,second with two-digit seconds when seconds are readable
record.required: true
7,17
